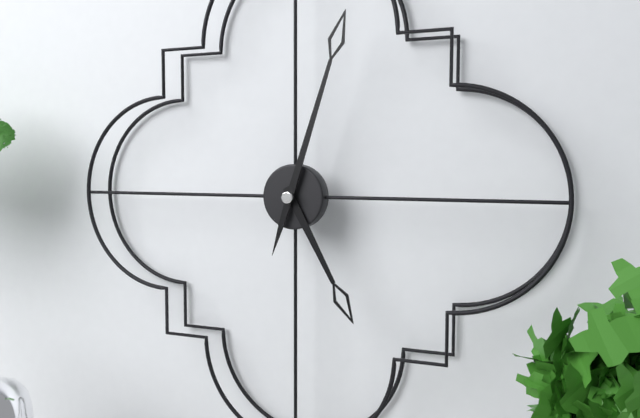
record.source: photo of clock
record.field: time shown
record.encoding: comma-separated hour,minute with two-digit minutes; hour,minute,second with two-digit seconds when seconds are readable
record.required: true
5,03
